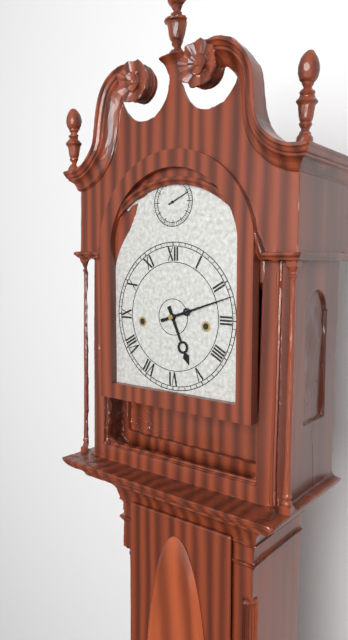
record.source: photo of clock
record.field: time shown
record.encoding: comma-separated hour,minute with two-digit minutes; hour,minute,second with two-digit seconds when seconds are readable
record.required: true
5,12
